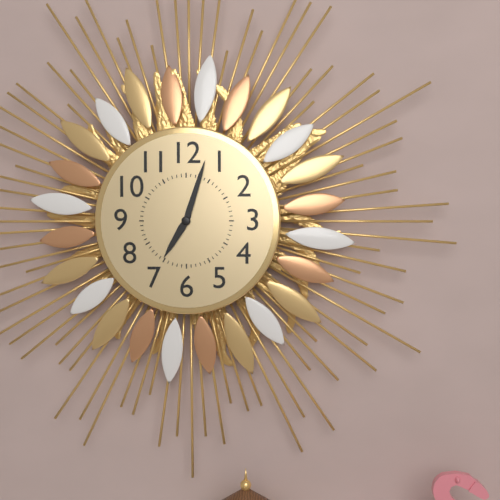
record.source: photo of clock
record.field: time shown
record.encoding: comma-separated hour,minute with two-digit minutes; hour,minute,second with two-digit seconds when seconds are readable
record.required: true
7,03
